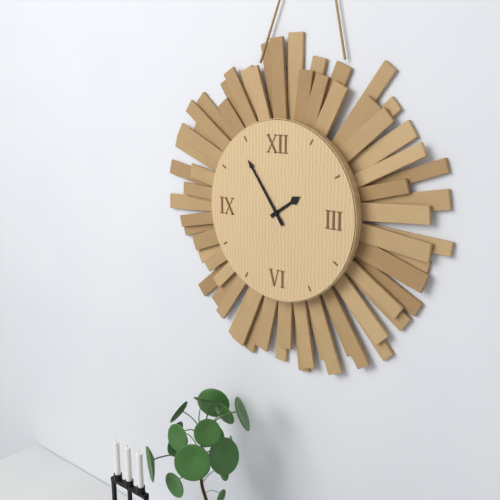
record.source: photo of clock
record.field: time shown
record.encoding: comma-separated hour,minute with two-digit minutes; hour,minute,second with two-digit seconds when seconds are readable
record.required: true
1,54
